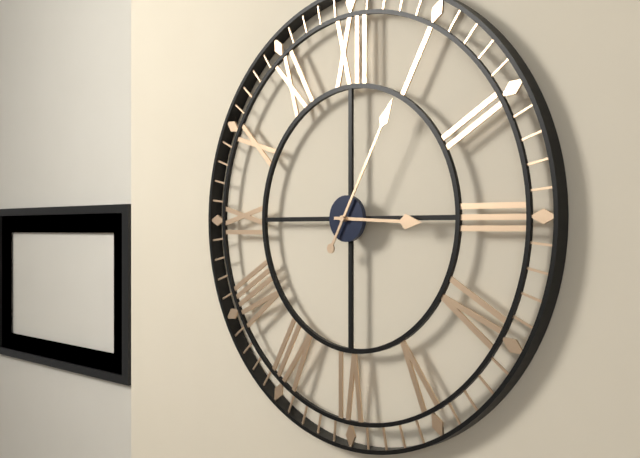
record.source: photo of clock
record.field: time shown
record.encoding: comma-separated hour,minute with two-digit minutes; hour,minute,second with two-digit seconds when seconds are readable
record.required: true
3,05
